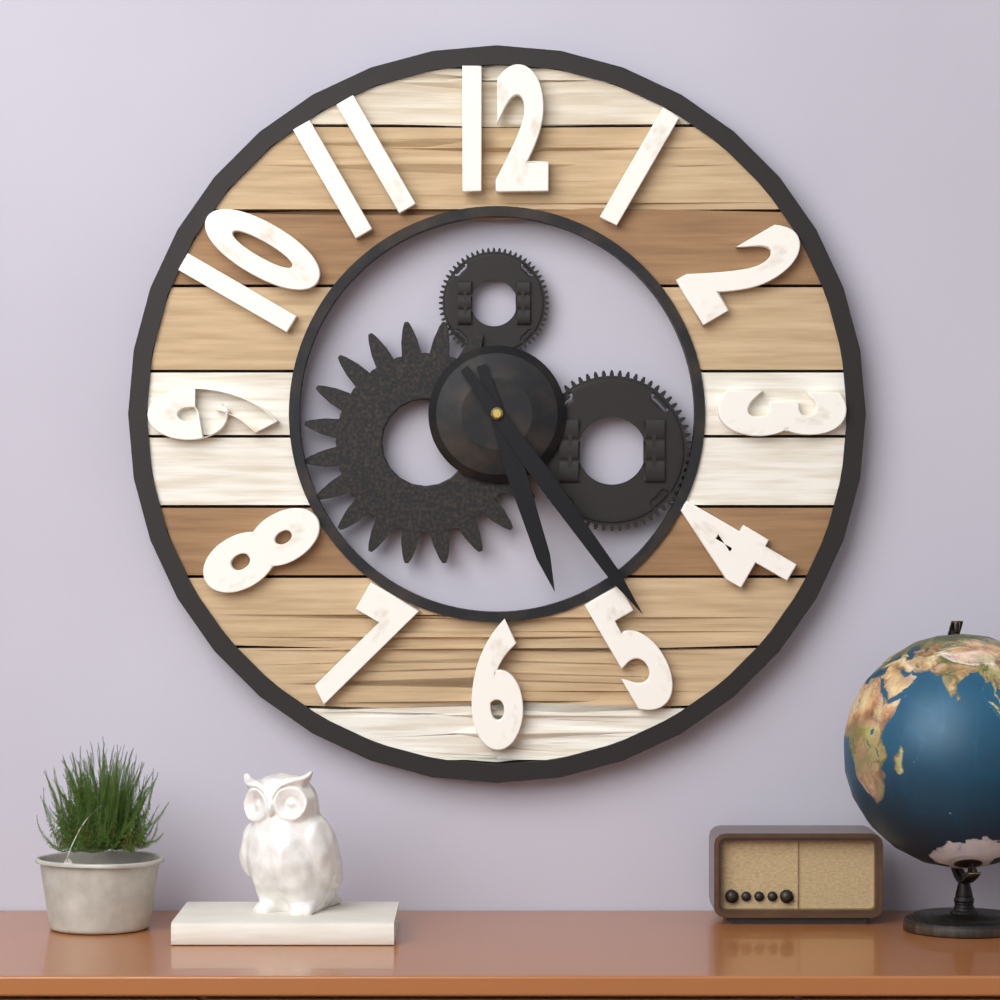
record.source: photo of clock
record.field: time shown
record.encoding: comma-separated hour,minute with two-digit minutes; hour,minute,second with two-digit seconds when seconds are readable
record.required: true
5,24
